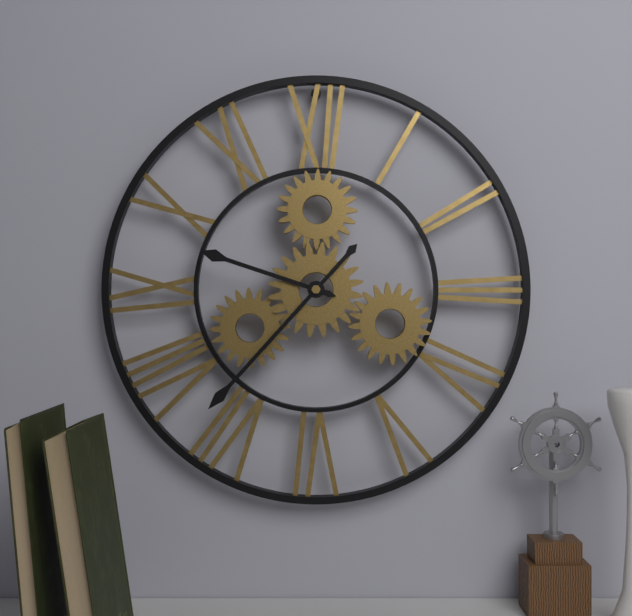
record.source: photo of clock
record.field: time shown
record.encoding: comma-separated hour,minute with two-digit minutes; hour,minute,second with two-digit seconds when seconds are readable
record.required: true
9,37
